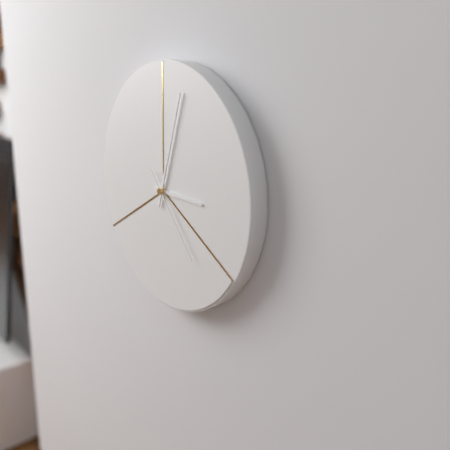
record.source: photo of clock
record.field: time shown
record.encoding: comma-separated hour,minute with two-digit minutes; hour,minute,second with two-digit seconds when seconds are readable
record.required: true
3,03,23
